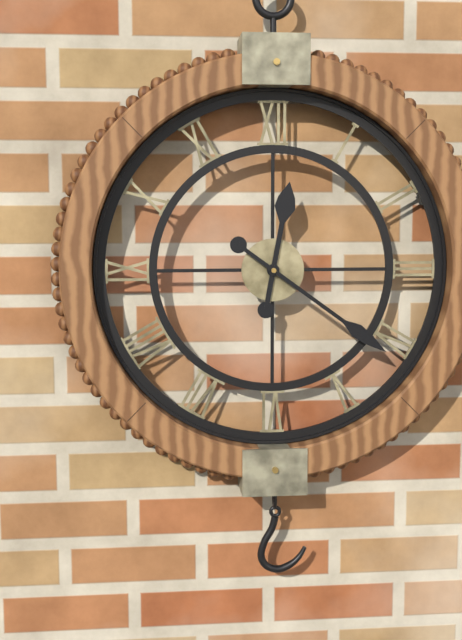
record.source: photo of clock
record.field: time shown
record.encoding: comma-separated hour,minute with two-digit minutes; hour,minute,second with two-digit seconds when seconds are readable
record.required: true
12,21
